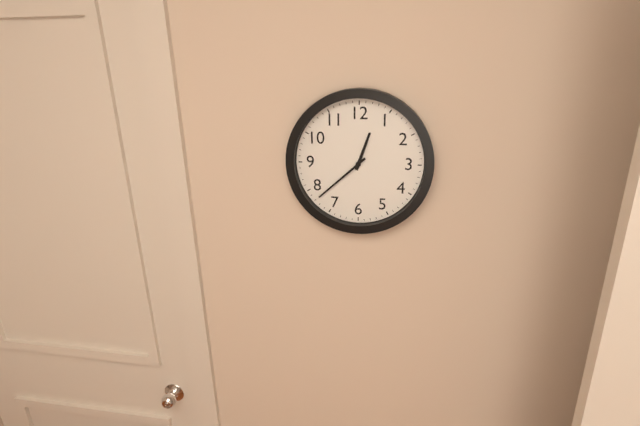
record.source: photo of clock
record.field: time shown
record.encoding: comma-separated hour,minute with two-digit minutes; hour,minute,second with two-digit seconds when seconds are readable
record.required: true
12,38
